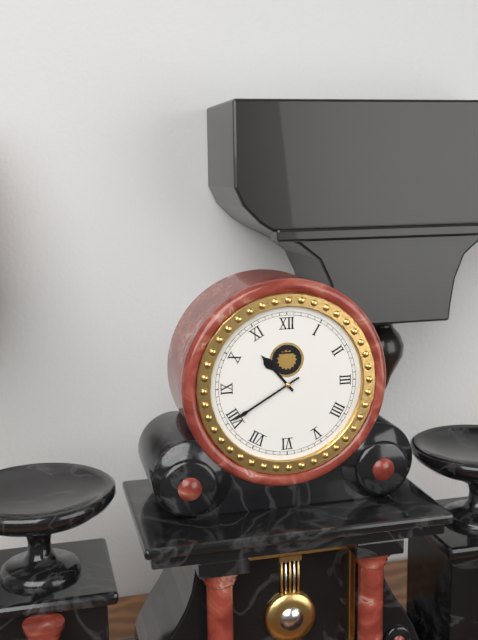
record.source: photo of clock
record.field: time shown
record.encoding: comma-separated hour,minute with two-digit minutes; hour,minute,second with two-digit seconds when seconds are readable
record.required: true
10,40
